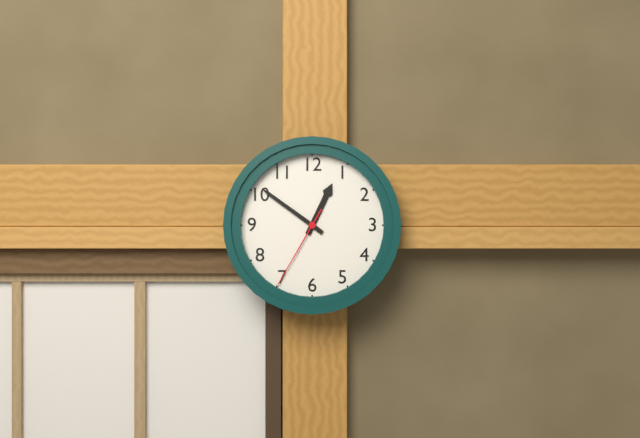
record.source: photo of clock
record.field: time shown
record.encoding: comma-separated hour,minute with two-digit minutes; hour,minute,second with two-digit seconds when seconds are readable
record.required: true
12,51,35
